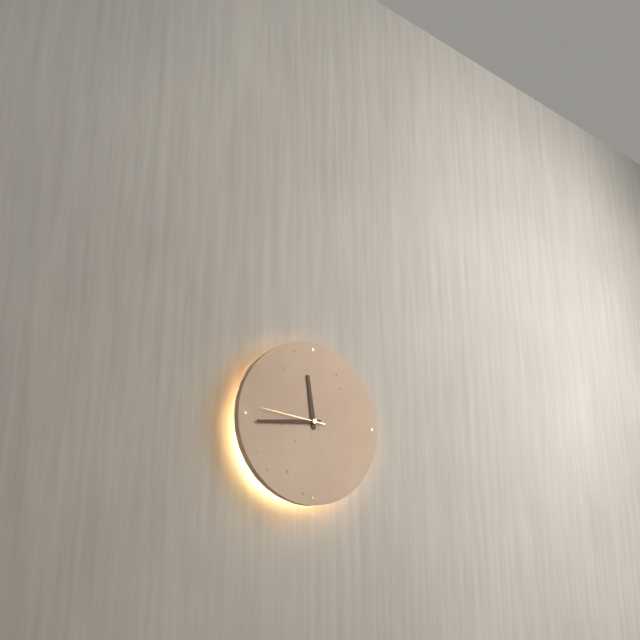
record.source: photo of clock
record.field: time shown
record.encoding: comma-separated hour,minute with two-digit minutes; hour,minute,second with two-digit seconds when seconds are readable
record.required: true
11,44,46
